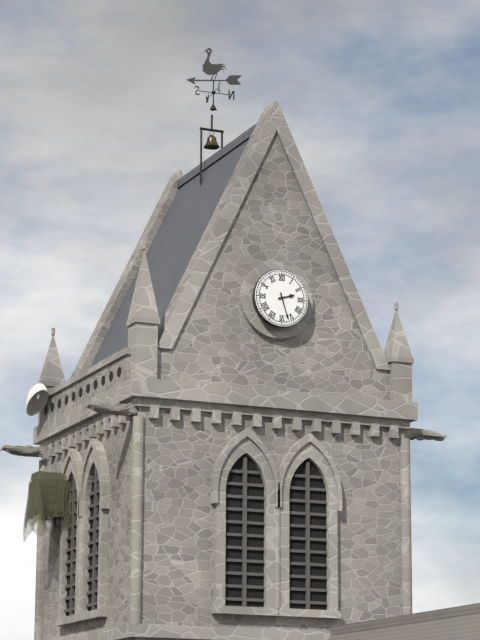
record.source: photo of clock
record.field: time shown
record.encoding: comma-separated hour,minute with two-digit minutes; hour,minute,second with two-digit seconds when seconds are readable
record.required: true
2,27
